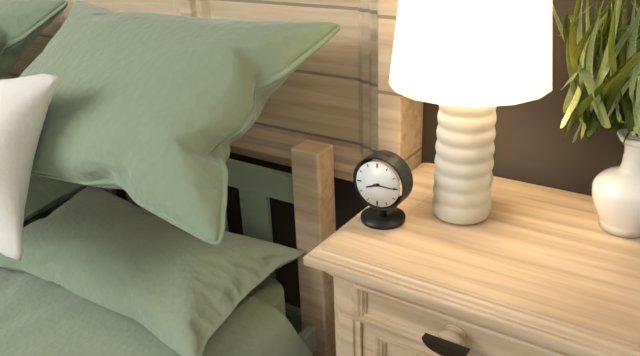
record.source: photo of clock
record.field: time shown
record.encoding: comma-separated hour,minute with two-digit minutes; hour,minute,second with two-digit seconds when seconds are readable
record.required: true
8,15
